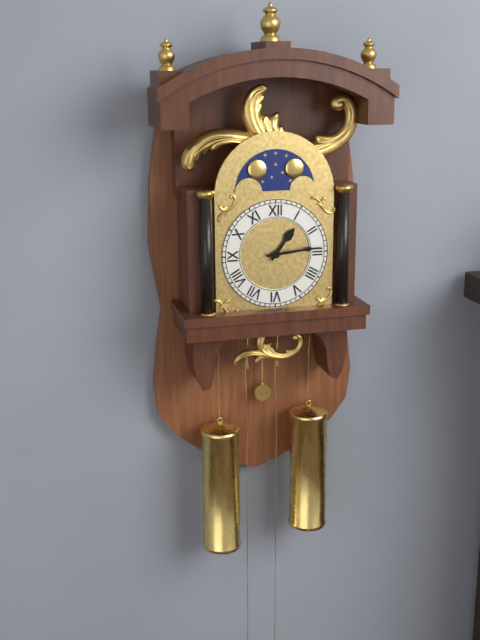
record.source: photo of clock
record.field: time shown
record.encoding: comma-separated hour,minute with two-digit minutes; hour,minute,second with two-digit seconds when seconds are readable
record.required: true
1,14
